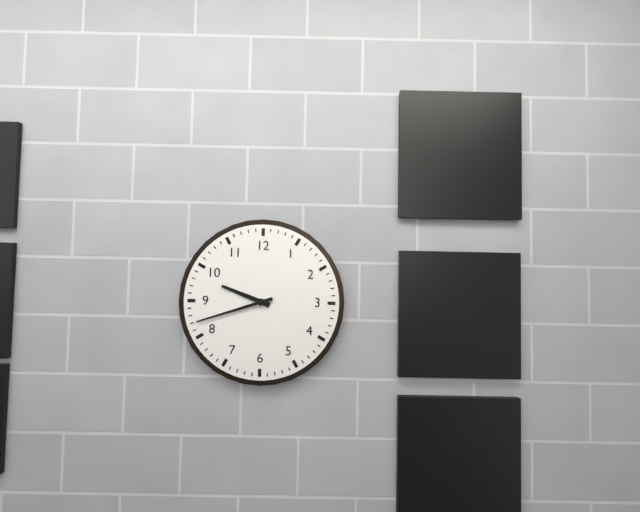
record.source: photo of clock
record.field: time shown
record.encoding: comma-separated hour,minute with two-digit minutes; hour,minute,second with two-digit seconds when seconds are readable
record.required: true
9,42
